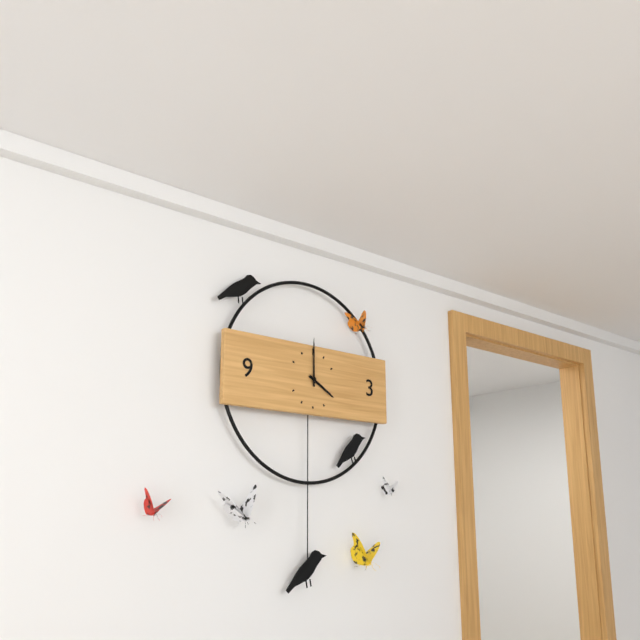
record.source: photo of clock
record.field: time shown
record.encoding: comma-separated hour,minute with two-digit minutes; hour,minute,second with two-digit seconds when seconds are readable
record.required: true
4,00
